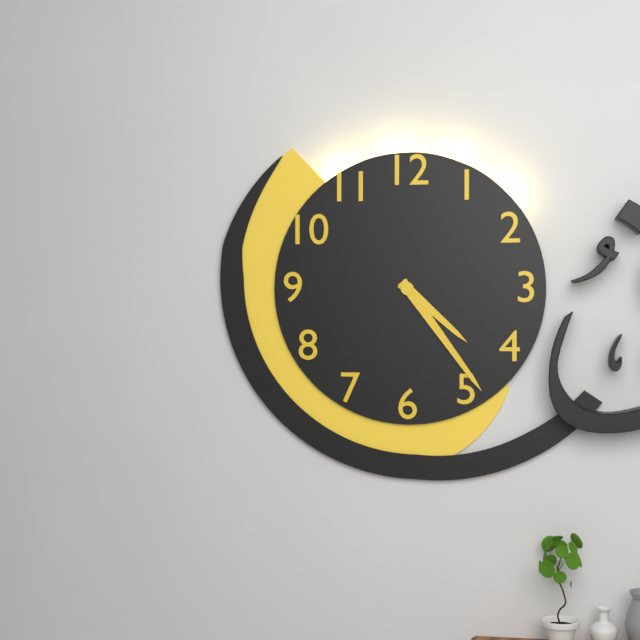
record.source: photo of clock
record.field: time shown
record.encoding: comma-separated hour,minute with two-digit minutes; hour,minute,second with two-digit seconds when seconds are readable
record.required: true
4,24
